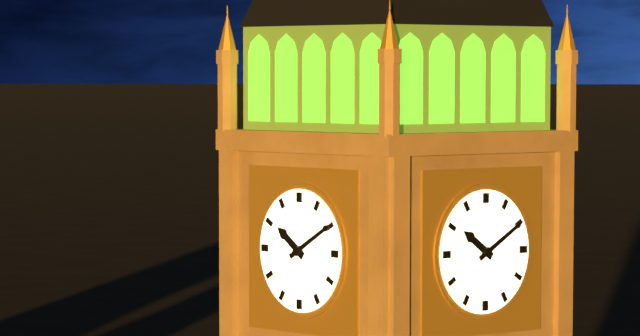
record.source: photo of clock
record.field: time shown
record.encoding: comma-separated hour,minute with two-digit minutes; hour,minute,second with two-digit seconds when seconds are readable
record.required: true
10,10
